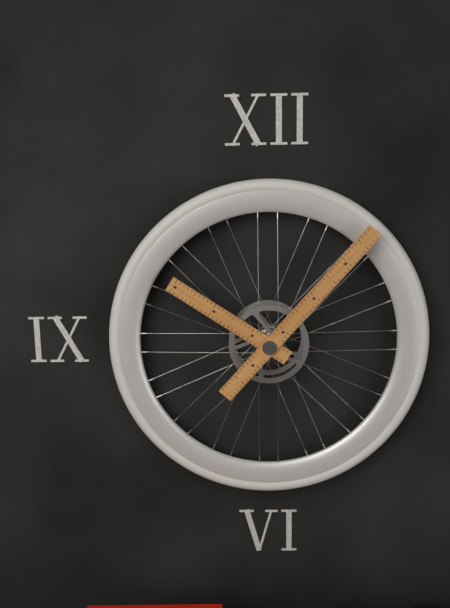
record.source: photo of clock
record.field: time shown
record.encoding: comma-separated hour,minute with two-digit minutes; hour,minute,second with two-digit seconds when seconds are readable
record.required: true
10,07
